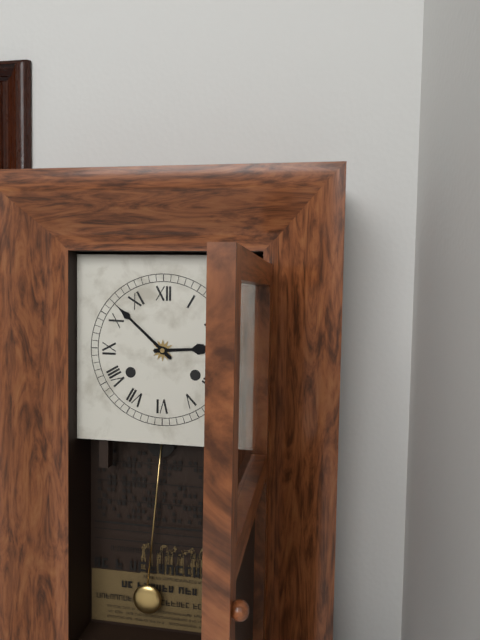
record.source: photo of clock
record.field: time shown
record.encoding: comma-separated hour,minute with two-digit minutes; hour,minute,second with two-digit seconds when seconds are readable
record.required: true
2,52
